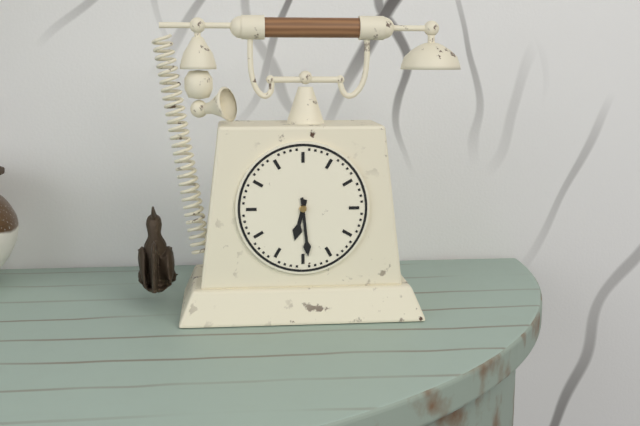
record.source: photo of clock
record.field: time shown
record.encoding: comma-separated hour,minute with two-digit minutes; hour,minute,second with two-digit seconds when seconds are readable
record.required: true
6,29
